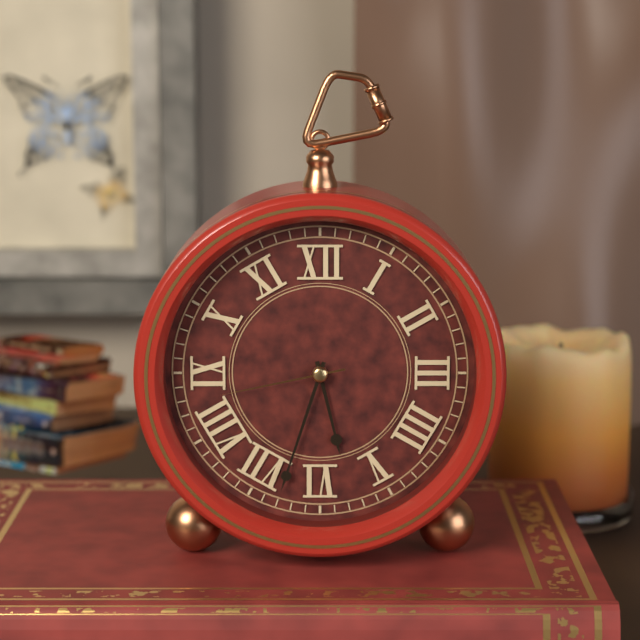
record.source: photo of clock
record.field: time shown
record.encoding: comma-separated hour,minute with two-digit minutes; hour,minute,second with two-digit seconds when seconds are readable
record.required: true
5,33,43
